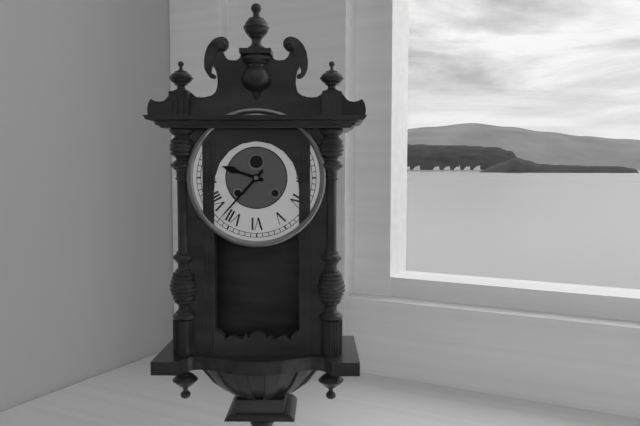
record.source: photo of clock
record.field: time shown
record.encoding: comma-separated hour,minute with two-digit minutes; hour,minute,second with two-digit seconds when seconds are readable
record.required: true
9,37
